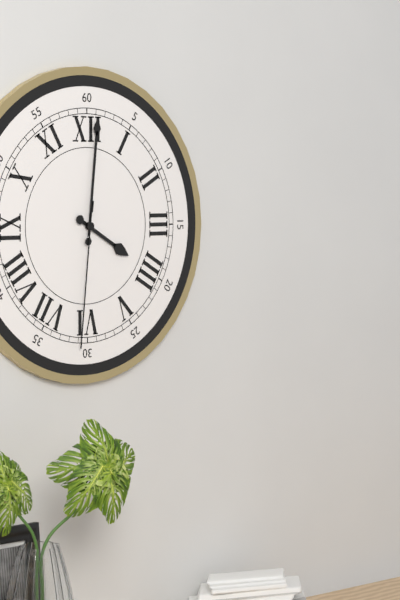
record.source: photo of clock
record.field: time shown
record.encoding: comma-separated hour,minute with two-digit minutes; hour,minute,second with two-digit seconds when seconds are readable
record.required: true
4,01,31
